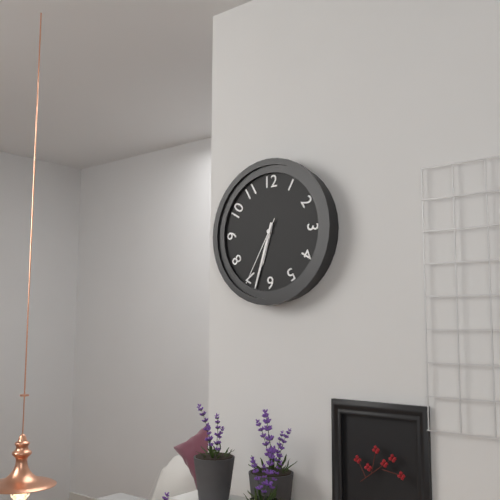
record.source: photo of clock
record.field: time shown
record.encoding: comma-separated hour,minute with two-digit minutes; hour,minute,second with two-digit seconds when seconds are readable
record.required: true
6,33,35
